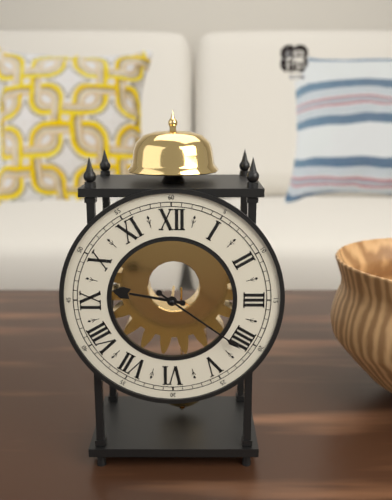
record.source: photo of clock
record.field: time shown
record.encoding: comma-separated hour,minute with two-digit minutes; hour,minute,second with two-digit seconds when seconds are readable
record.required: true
9,21
